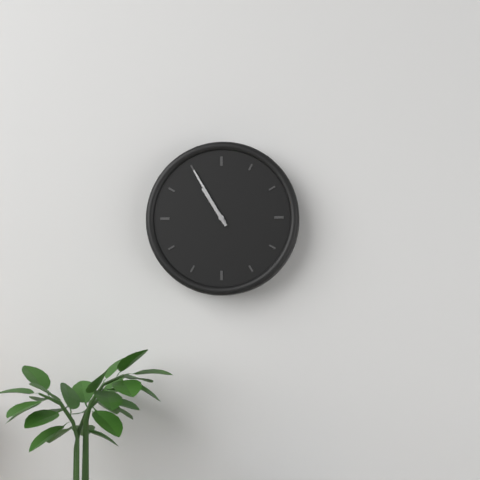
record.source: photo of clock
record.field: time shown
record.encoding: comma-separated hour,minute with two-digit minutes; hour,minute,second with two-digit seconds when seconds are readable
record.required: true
10,55
